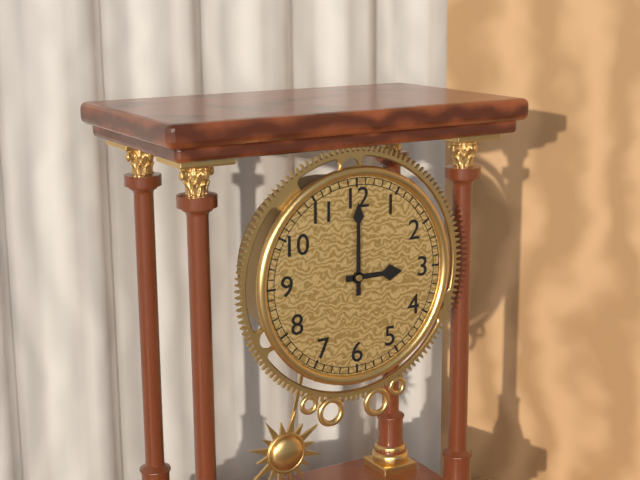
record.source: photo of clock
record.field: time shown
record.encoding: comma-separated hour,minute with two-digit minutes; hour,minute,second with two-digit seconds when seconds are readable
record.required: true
3,00
